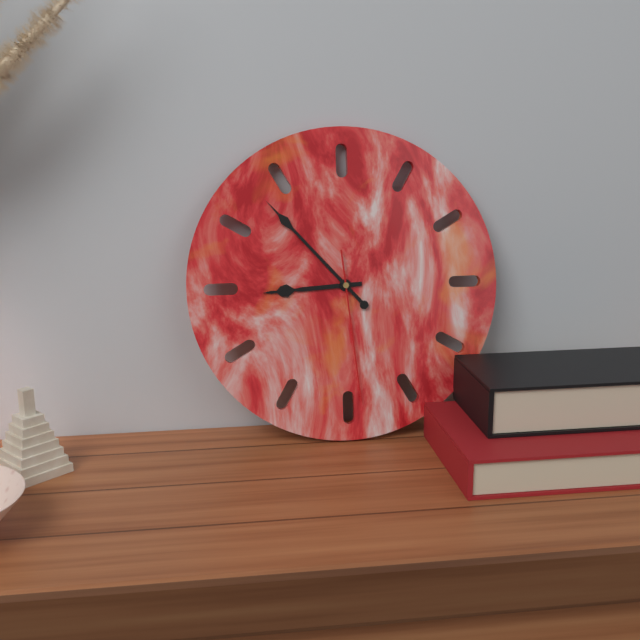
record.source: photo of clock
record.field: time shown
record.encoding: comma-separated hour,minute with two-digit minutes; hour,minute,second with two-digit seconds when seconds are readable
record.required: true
8,53,29
